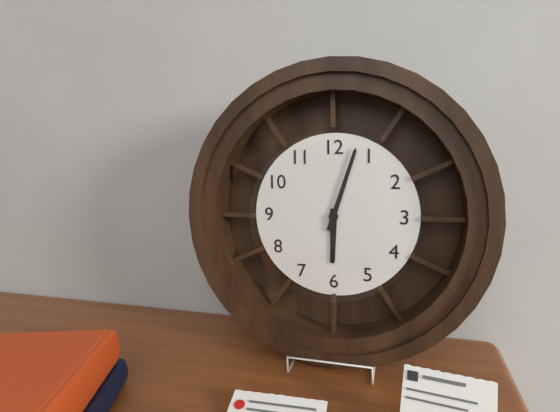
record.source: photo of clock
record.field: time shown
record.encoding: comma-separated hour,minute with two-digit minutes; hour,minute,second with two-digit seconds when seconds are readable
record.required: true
6,03
